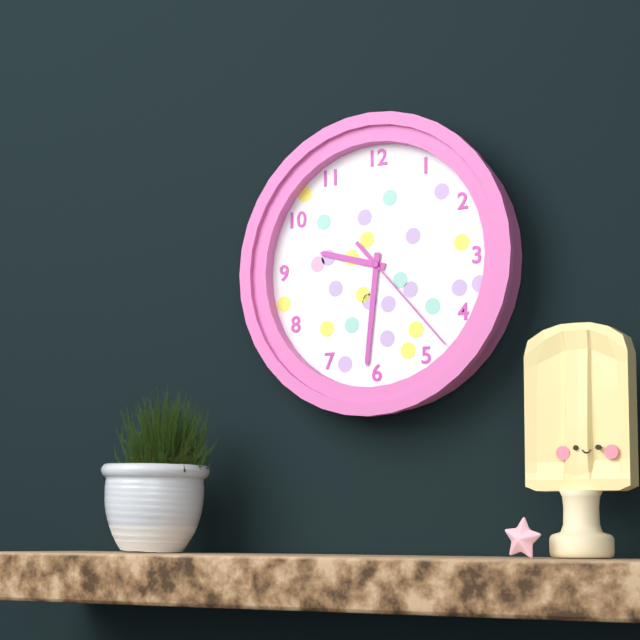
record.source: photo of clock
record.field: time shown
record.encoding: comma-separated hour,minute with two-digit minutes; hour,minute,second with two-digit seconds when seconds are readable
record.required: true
9,31,23
